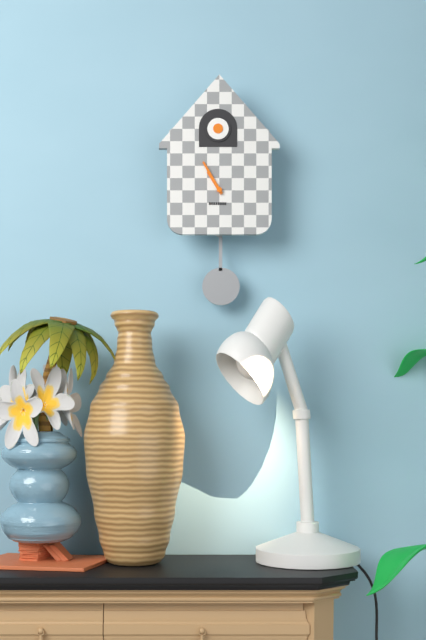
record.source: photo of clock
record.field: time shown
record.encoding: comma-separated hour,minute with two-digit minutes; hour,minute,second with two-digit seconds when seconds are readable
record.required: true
10,55
